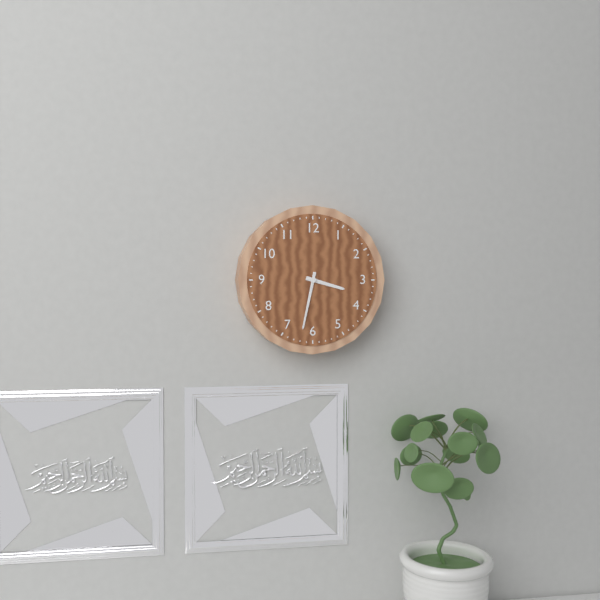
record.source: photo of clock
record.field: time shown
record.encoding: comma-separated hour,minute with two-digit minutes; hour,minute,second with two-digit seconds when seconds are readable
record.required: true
3,32
